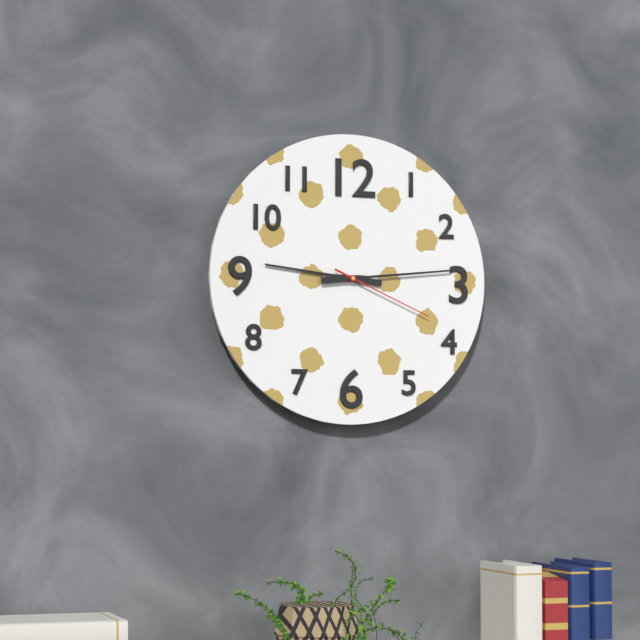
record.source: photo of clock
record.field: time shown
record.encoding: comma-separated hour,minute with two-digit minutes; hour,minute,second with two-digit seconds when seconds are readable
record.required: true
9,14,19
